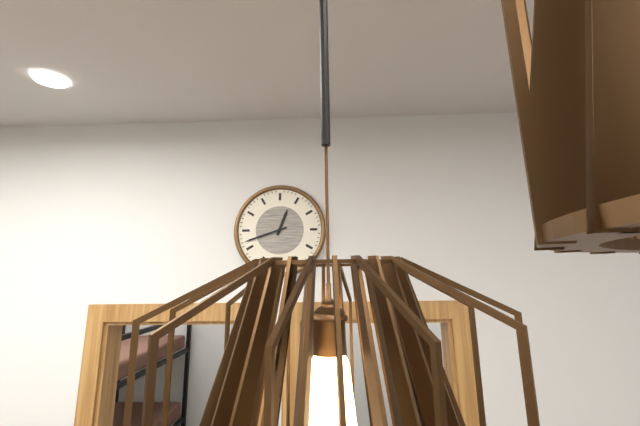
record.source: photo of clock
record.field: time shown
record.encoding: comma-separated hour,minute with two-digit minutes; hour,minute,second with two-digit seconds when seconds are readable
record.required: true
12,42
